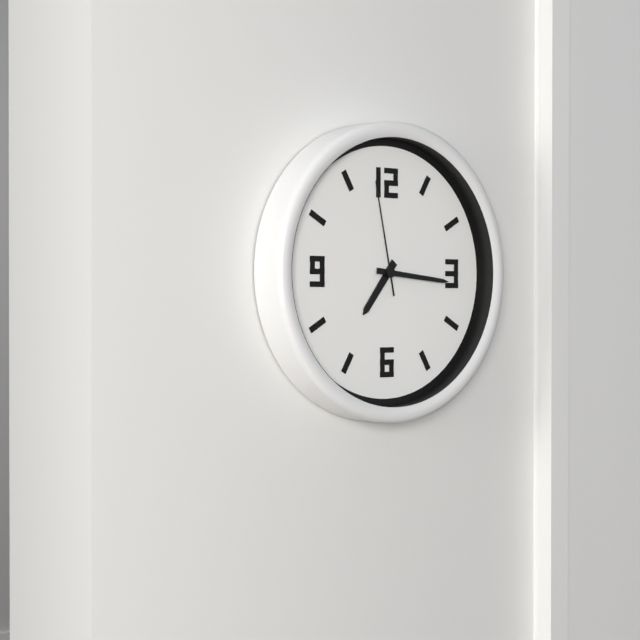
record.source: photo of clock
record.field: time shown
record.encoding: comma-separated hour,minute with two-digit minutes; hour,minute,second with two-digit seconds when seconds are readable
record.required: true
7,16,58
